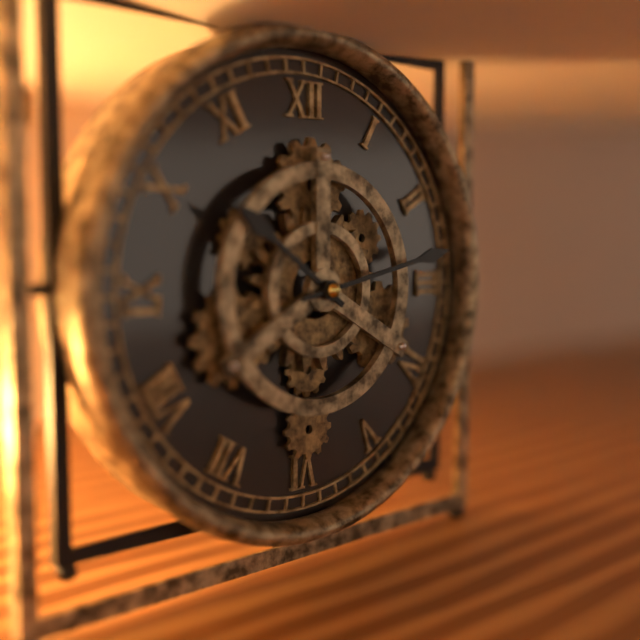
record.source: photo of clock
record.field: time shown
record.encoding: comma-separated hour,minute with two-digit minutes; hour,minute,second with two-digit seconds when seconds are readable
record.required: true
10,13
